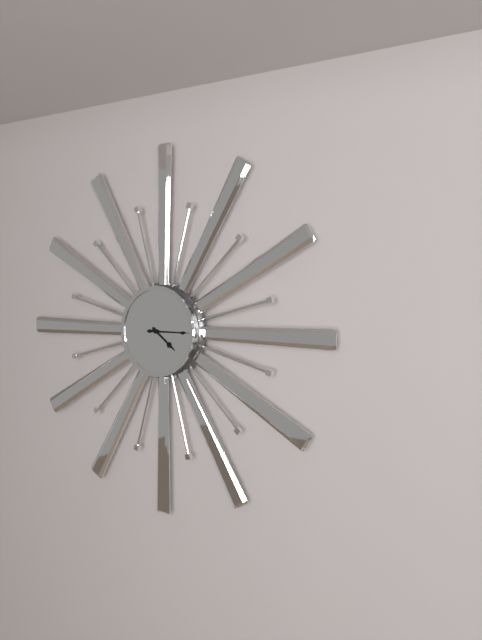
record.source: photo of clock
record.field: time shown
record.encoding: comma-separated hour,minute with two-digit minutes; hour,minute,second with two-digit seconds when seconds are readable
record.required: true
4,15
